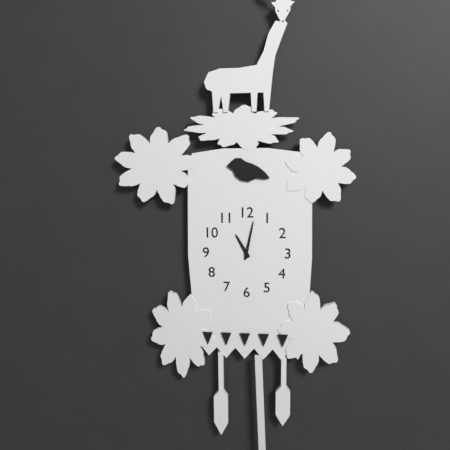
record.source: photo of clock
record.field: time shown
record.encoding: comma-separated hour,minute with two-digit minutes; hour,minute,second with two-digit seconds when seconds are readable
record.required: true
11,02
